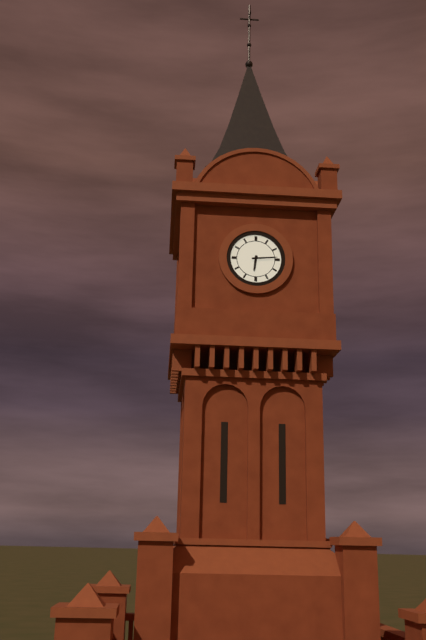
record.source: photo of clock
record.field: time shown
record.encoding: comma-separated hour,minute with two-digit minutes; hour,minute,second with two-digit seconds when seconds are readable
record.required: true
6,14
